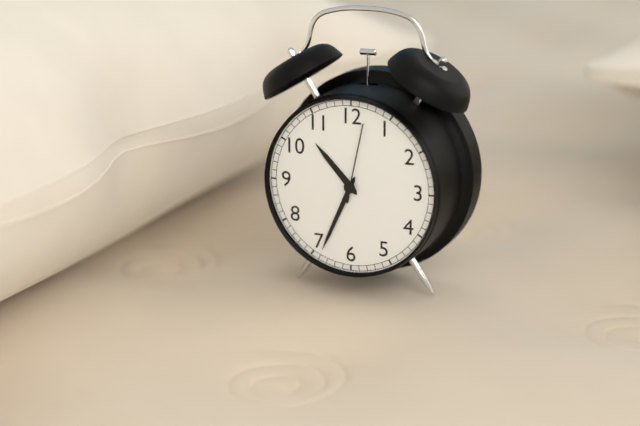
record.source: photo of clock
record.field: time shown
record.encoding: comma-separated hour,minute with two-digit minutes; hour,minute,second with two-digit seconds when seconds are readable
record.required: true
10,34,02
